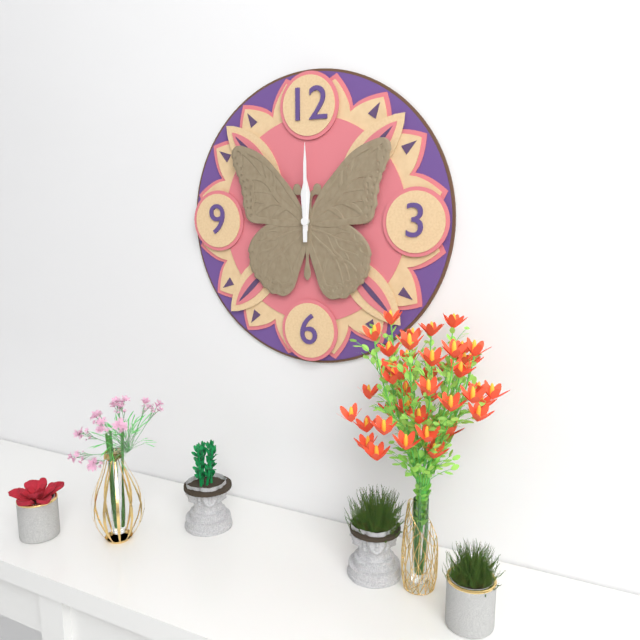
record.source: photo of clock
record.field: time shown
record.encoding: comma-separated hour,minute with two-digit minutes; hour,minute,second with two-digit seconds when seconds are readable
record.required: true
12,00
